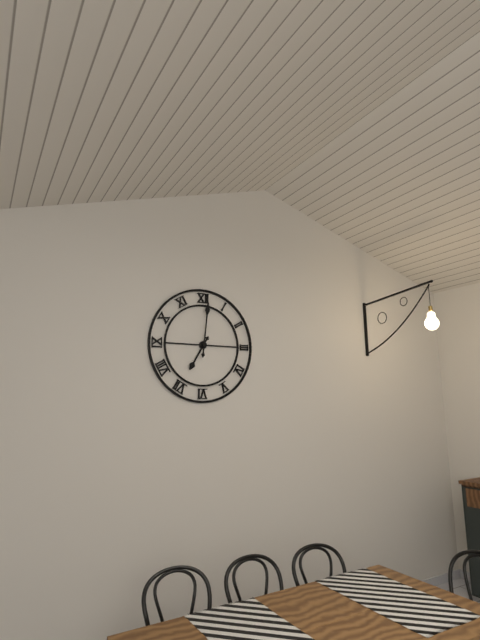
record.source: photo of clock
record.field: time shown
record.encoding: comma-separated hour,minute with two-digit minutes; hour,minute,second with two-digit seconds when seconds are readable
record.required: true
7,01
